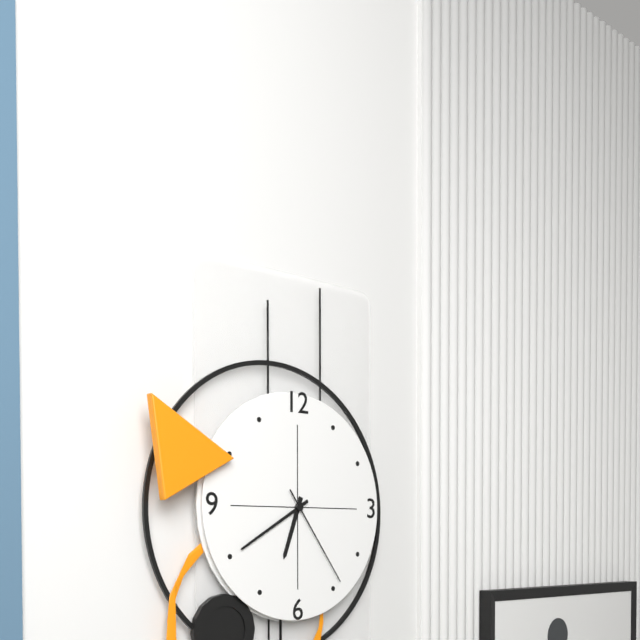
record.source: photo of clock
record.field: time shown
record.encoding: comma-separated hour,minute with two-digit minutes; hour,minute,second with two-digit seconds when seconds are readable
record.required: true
6,40,24
